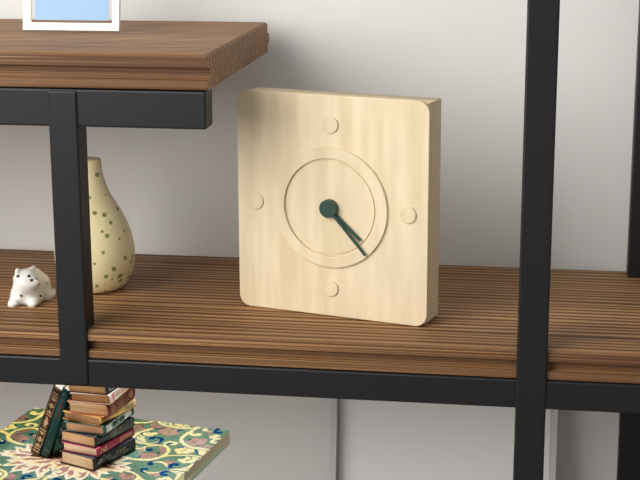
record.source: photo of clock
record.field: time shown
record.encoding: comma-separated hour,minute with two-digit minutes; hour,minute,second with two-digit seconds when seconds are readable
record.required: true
4,23
